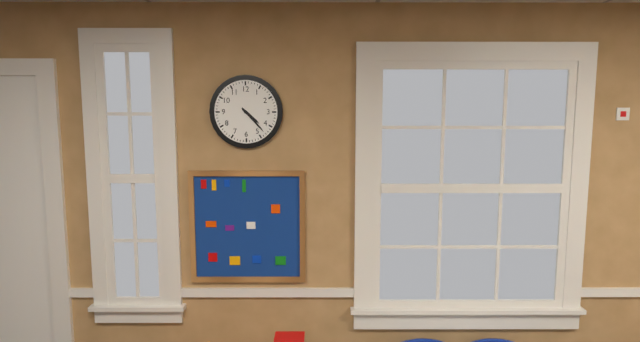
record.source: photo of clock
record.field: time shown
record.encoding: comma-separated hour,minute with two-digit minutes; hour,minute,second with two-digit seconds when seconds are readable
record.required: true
4,23
